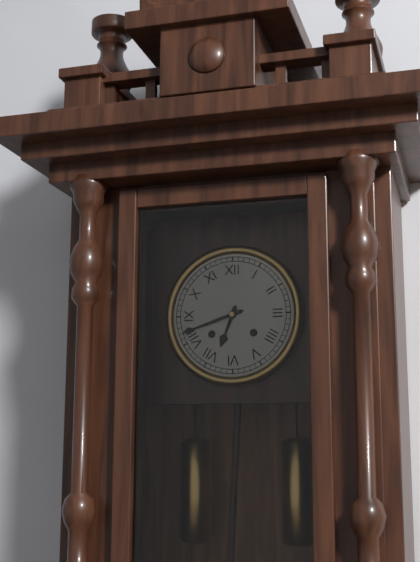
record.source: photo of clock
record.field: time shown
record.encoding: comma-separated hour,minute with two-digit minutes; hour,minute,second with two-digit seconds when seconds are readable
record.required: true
6,42
